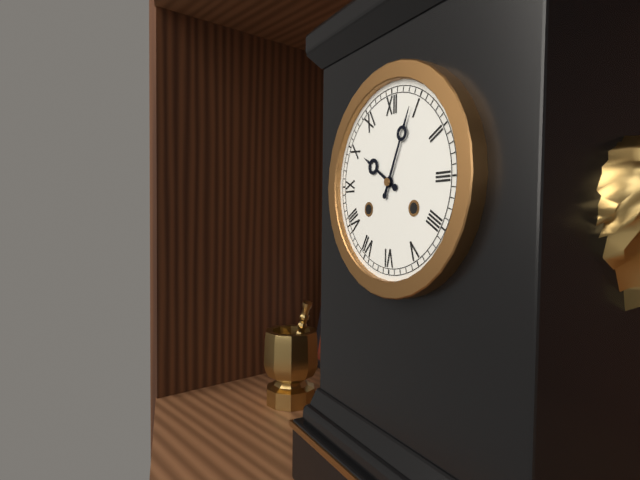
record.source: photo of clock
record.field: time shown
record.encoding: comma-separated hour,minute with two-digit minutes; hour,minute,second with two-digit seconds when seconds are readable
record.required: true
10,04
